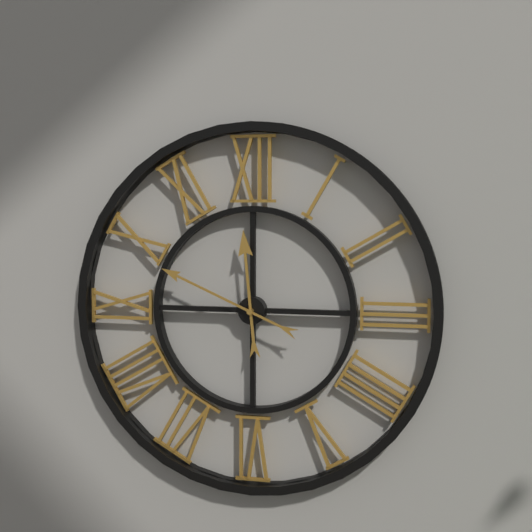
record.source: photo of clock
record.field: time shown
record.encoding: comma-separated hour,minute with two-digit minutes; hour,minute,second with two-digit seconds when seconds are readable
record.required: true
11,49
